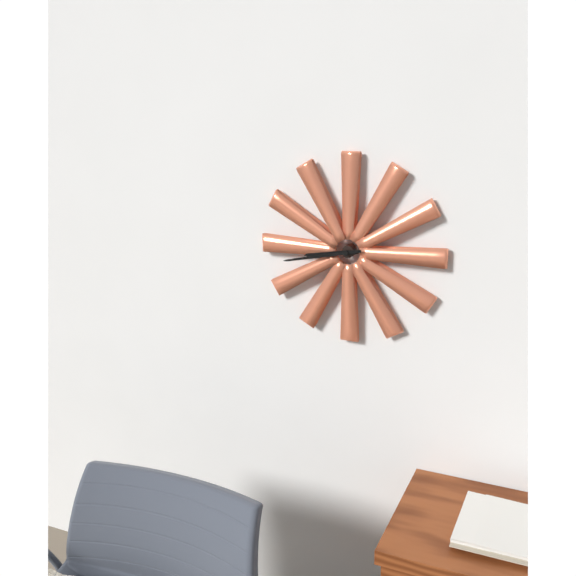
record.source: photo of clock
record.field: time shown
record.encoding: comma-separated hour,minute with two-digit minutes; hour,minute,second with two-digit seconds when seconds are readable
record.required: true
8,43
